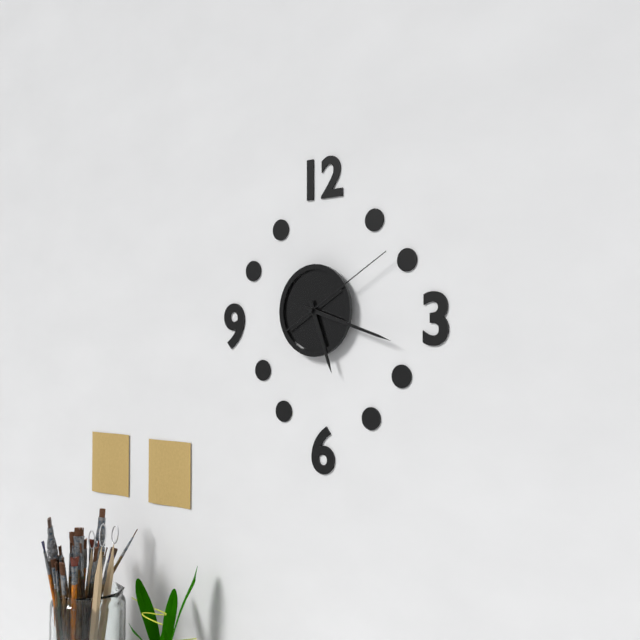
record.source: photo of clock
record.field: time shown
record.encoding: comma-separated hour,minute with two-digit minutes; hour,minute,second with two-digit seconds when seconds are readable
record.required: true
5,18,10
